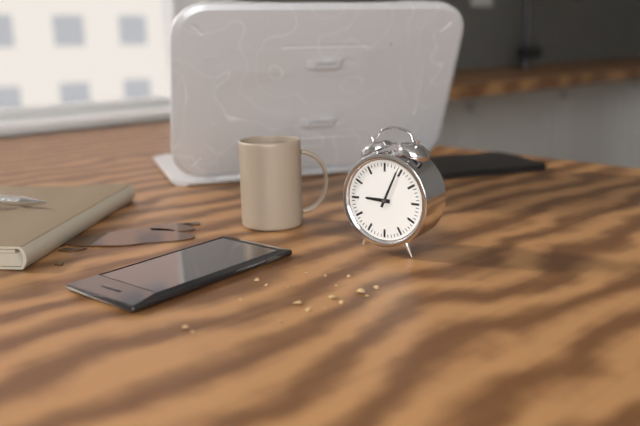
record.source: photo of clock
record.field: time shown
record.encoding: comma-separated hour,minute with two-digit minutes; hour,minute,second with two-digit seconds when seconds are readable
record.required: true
9,04
